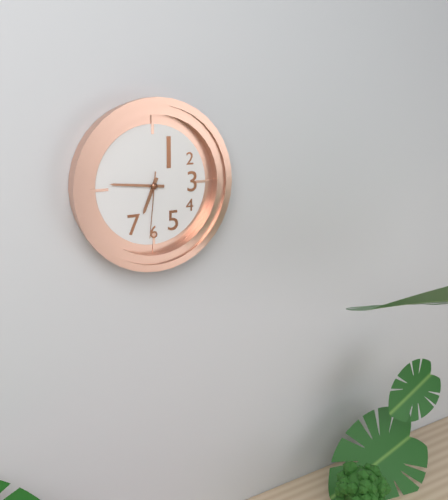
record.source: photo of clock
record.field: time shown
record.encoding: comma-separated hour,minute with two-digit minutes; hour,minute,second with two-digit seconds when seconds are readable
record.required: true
6,46,31
